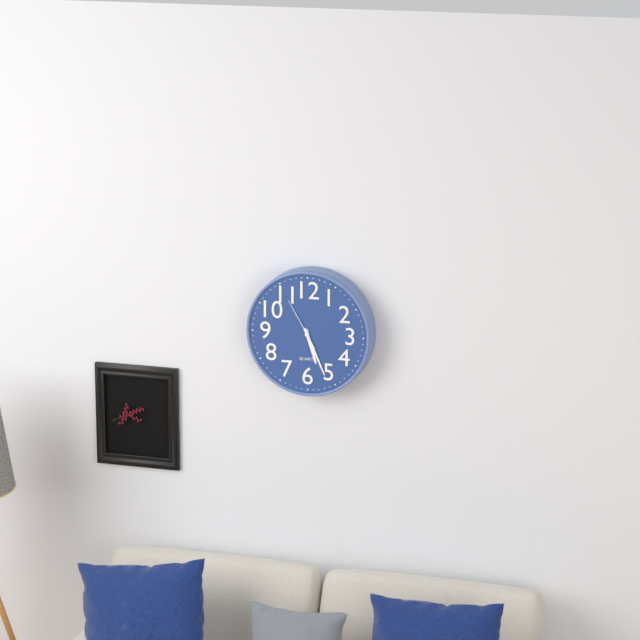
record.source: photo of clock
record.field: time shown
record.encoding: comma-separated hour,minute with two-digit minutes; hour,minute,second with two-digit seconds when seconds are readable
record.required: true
5,26,55
